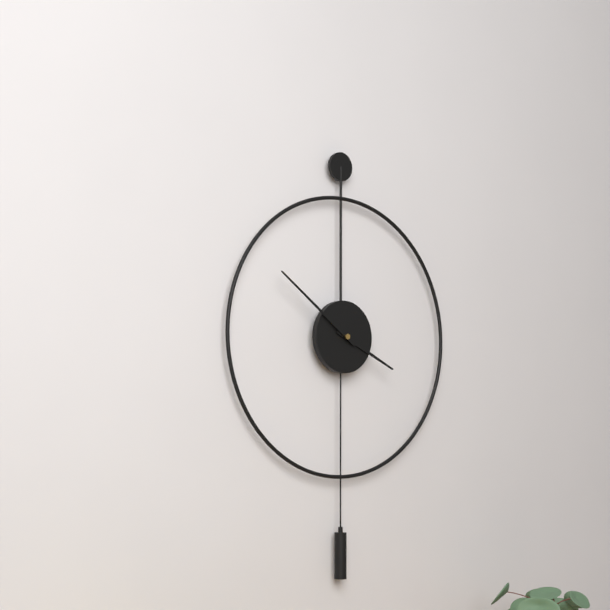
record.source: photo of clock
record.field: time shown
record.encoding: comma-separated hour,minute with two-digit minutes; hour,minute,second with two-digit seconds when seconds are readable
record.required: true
3,51
